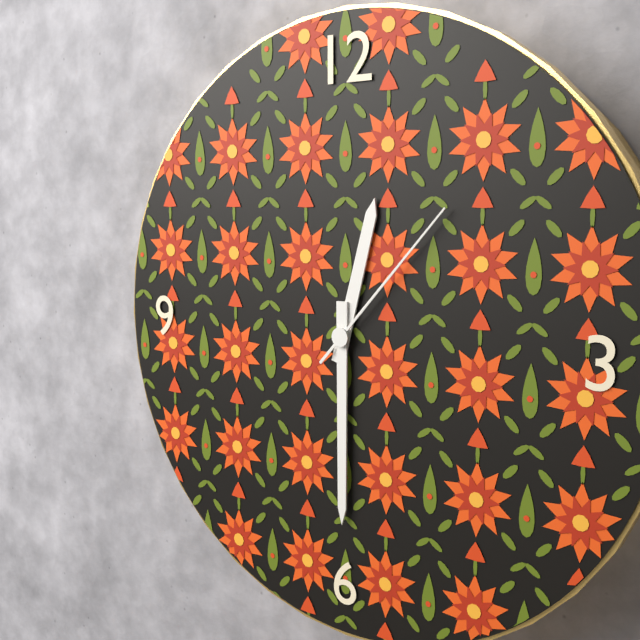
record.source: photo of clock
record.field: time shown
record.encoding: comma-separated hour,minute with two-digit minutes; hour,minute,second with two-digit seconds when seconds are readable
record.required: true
12,30,07
